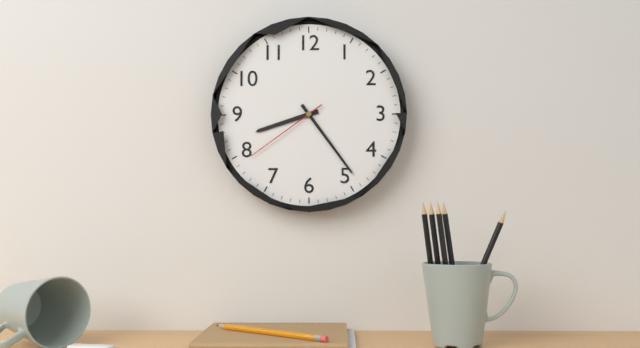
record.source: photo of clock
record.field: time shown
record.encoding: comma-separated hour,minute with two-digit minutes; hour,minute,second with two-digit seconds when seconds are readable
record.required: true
8,24,39
